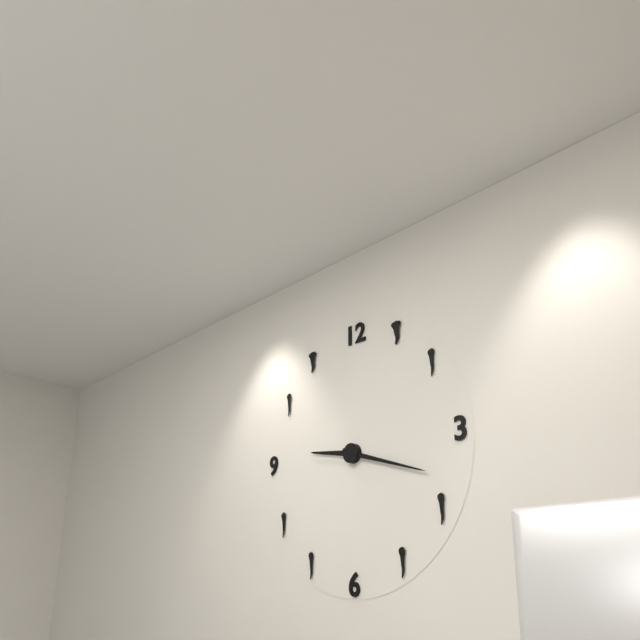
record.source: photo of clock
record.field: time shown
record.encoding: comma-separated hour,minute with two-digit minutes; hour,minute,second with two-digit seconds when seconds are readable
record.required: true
9,18
